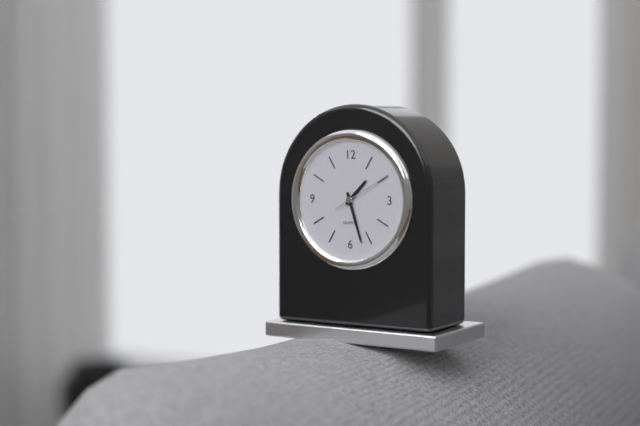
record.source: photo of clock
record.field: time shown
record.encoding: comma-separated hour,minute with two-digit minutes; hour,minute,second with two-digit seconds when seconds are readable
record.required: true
1,27
